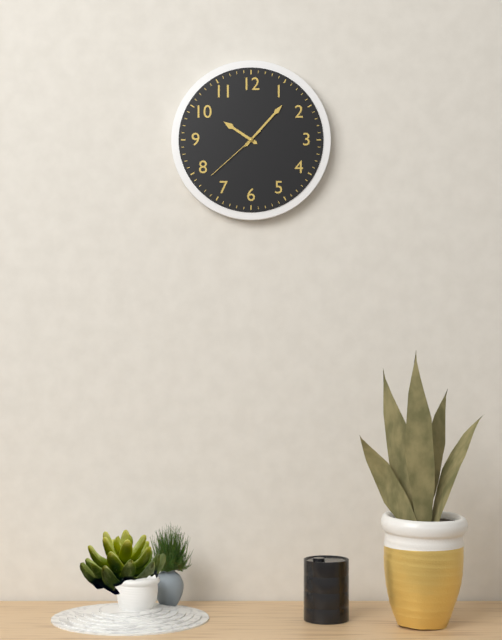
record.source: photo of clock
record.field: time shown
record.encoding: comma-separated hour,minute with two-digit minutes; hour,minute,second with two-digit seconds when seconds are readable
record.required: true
10,07,38
